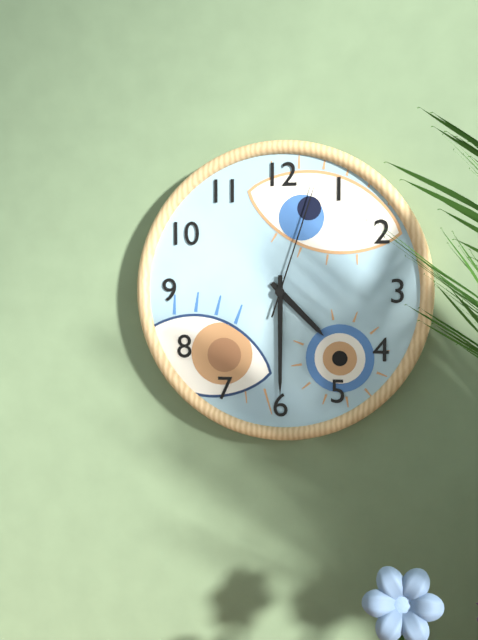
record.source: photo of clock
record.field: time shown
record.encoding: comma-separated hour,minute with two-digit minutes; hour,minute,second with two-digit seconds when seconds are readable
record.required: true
4,30,03
